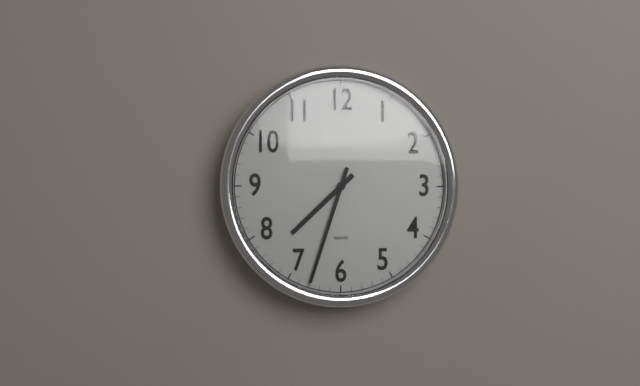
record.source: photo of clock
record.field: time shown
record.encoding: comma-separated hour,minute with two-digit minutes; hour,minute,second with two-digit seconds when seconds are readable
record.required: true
7,33
